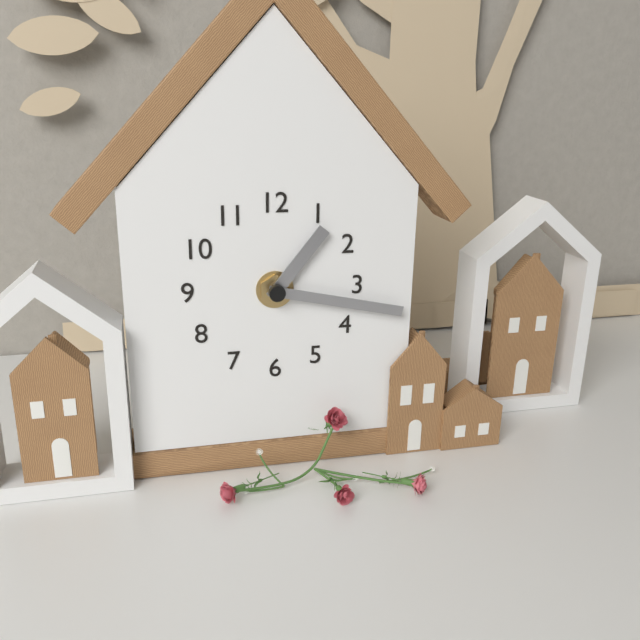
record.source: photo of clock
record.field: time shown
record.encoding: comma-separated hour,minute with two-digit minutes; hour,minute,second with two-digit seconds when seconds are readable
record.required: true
1,17
